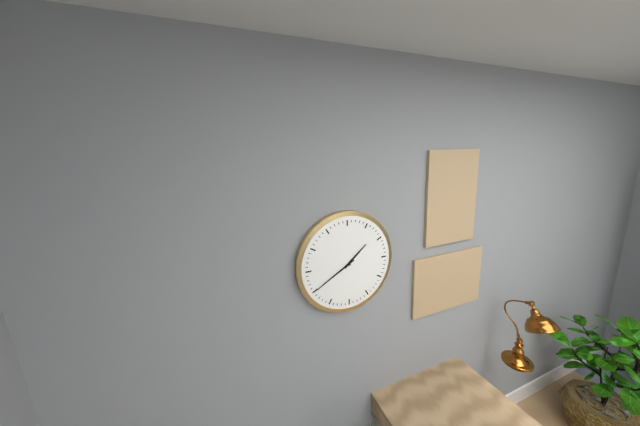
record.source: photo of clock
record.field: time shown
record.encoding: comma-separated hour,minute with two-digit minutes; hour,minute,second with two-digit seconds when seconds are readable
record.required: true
1,40
